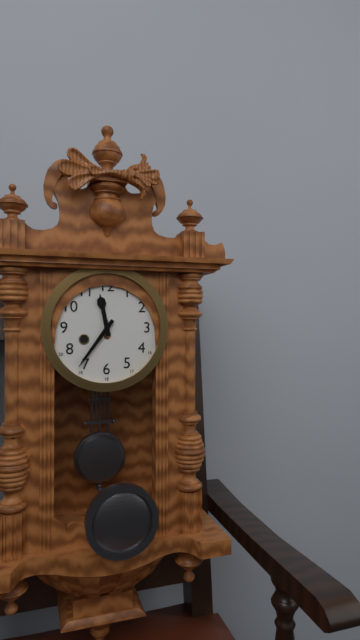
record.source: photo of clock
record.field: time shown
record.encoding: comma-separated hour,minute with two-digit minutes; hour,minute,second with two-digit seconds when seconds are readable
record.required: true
11,36
